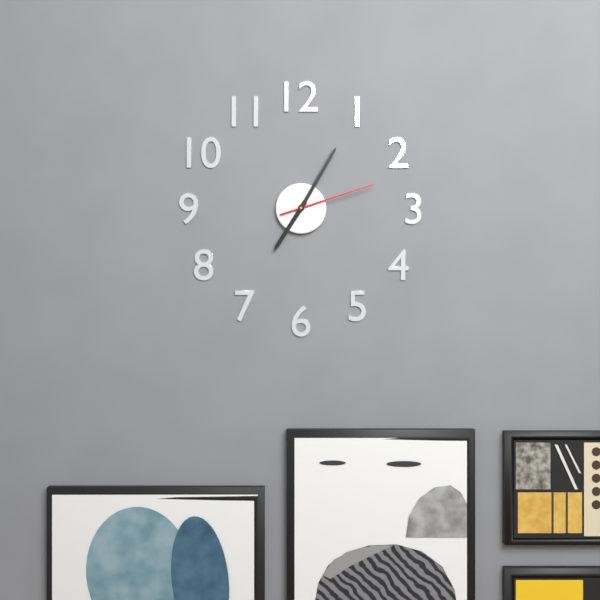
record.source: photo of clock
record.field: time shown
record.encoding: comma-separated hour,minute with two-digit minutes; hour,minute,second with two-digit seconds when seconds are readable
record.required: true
7,05,12
